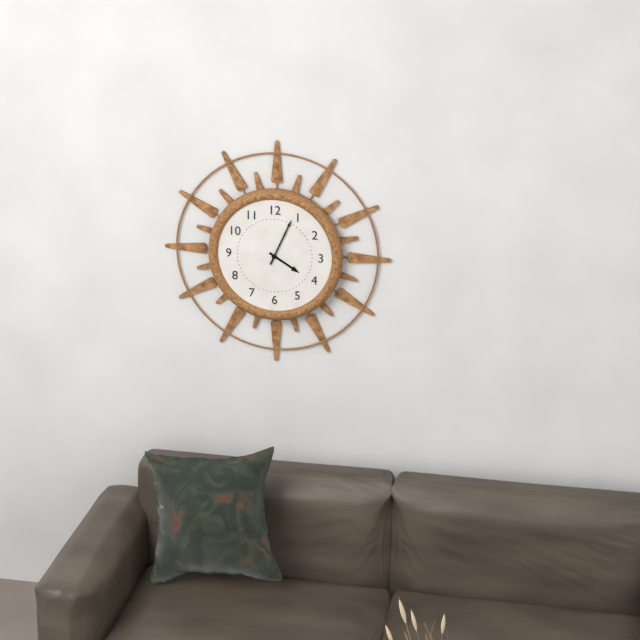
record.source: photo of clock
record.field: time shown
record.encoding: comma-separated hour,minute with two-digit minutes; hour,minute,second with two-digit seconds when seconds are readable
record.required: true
4,04
